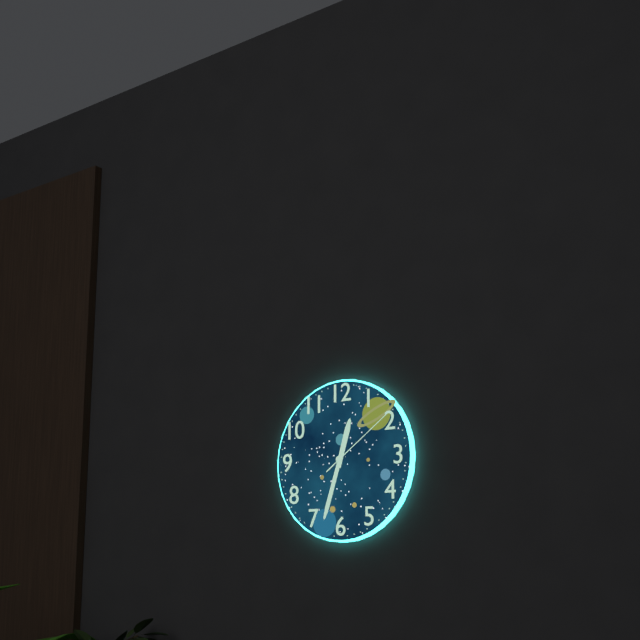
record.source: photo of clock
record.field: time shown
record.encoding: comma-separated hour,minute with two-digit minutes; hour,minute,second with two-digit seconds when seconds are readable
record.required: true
12,33,09
